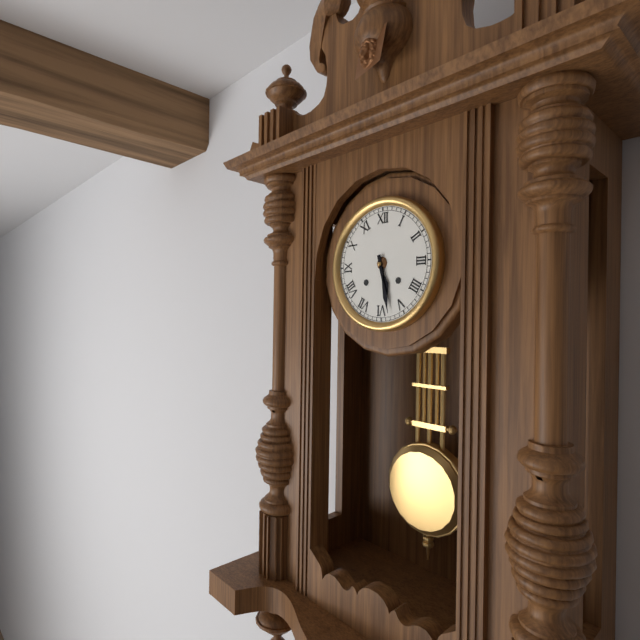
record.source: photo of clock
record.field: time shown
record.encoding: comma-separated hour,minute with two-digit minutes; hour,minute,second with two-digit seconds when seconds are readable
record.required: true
5,28
